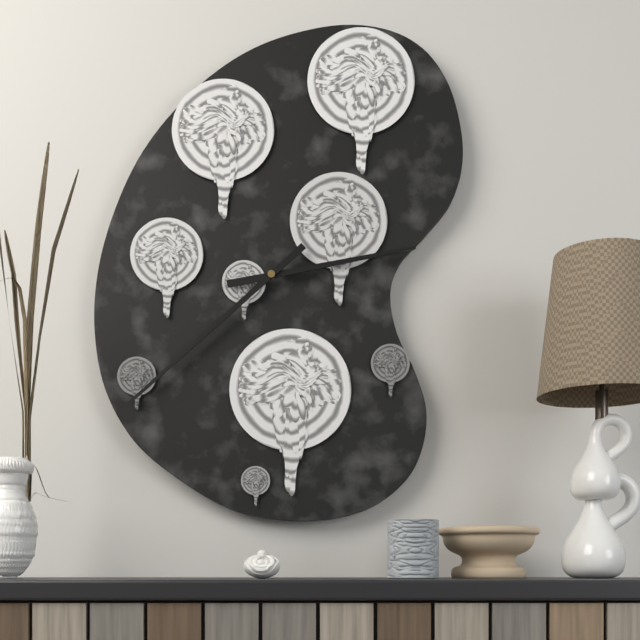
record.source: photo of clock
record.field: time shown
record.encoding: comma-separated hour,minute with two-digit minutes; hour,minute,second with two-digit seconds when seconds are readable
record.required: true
2,38
